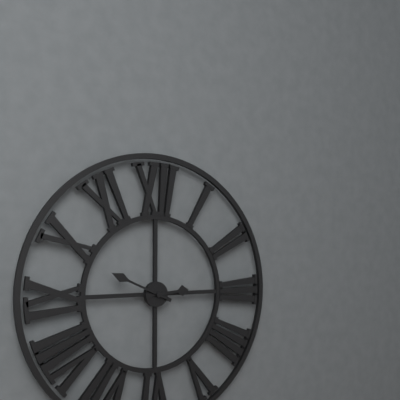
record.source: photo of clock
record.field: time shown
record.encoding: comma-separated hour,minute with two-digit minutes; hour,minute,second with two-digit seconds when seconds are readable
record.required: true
2,49
